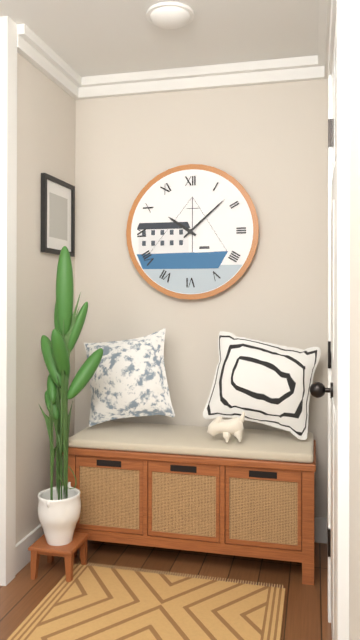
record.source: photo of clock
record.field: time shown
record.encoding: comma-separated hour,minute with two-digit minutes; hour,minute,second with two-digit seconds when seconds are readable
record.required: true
10,08
